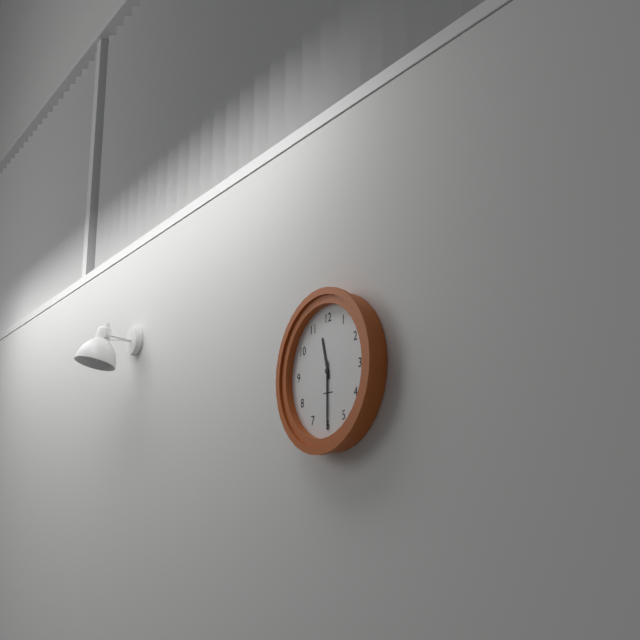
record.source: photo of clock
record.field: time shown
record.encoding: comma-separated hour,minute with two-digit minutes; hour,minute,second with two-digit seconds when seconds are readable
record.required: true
11,30
